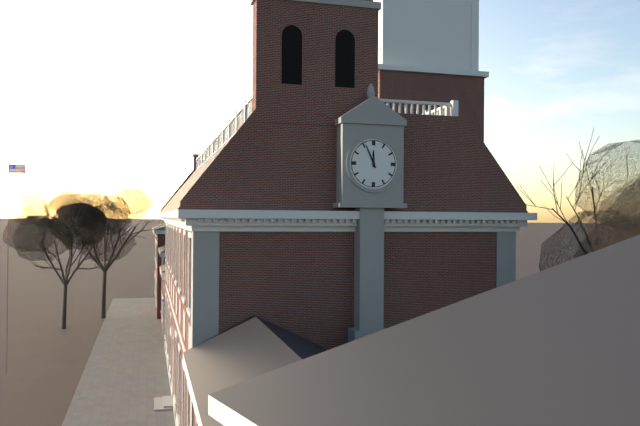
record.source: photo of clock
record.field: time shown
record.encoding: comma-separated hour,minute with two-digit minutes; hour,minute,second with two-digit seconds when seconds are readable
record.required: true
11,56
